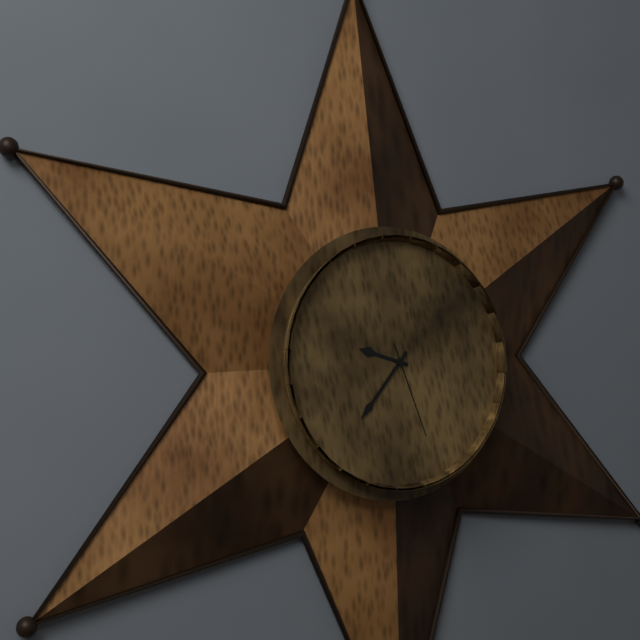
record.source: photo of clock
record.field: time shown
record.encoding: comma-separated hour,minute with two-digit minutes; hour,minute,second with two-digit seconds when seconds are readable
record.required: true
9,37,27
